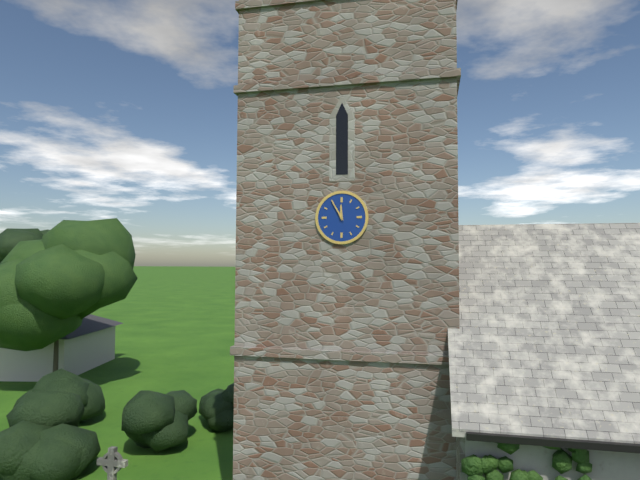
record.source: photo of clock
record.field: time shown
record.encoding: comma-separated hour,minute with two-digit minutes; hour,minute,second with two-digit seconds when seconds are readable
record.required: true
11,55
